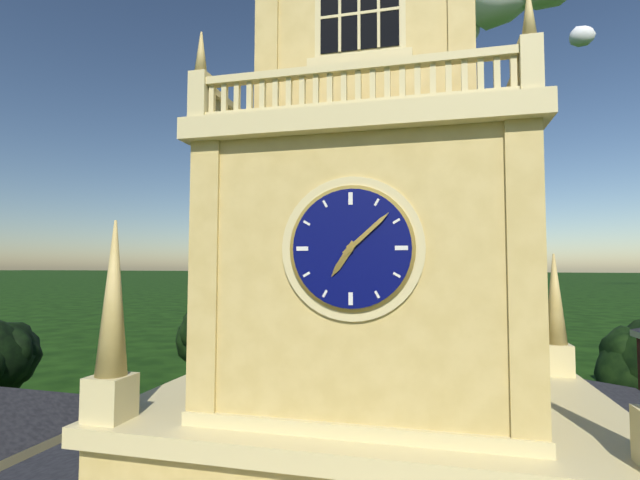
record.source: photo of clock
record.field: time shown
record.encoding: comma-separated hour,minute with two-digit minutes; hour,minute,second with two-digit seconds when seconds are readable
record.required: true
7,08
